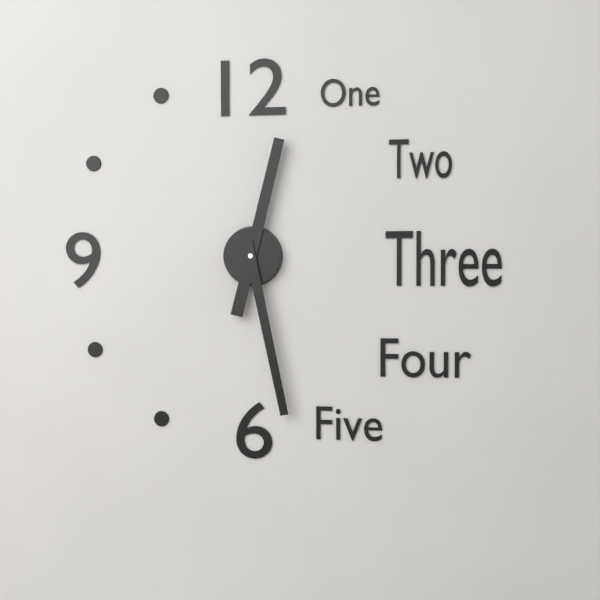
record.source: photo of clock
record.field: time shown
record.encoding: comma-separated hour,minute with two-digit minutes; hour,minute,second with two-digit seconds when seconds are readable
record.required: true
12,28
